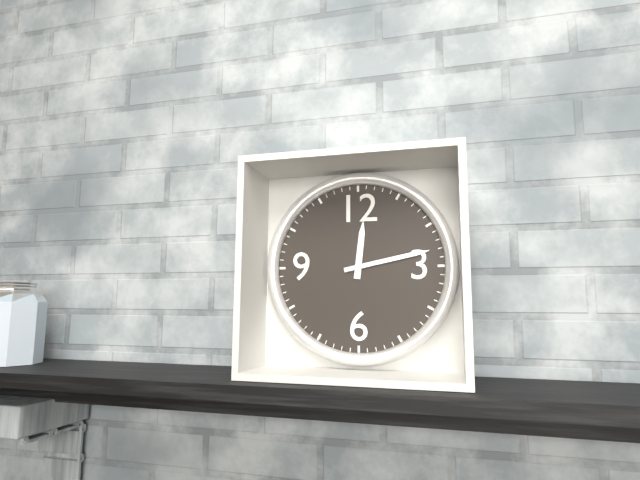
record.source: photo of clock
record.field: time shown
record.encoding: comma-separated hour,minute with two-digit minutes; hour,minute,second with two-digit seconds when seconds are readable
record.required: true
12,13
